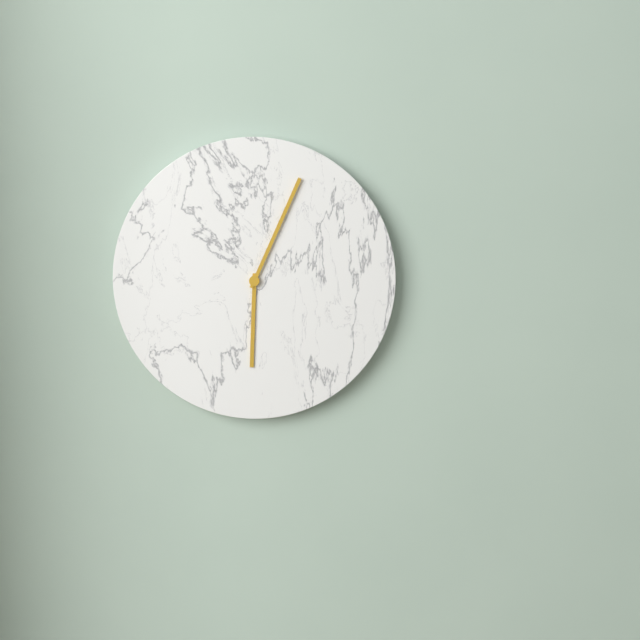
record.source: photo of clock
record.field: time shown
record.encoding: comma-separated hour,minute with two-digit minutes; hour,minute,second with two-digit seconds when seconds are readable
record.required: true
6,04
